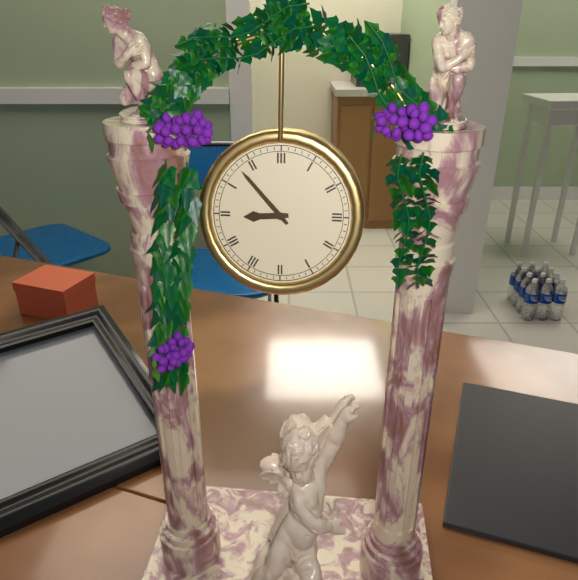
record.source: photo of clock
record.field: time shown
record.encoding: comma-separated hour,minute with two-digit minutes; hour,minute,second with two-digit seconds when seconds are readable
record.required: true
8,53
